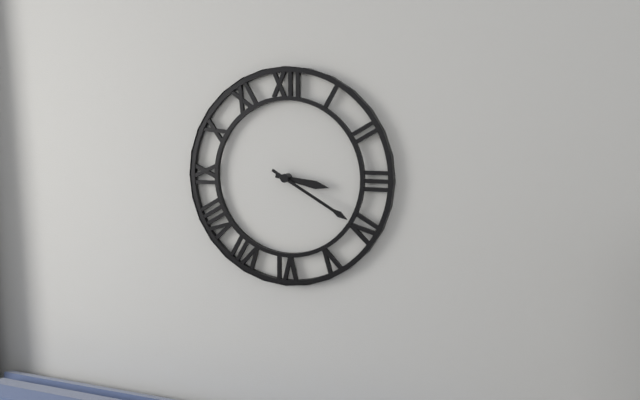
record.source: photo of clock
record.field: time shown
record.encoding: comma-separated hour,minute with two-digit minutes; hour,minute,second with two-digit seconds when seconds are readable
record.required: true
3,20
